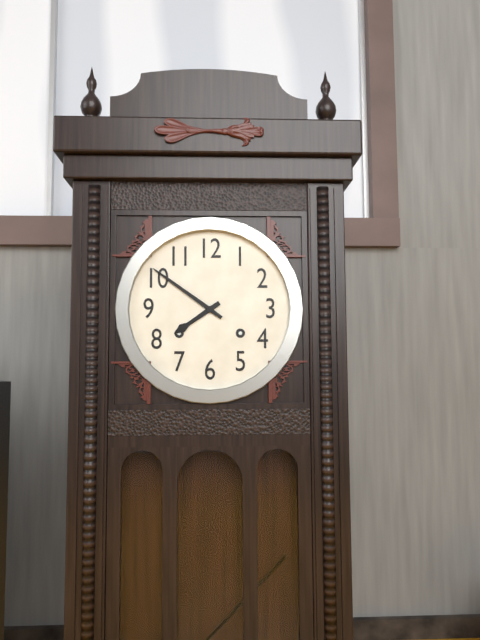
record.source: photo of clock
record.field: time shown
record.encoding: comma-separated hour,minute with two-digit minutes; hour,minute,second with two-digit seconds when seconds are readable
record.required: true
7,51
